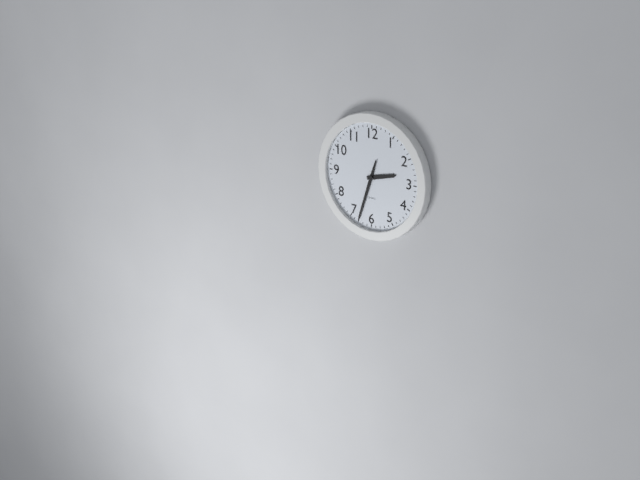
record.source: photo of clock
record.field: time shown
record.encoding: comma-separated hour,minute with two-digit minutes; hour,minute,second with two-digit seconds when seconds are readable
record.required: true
2,33
